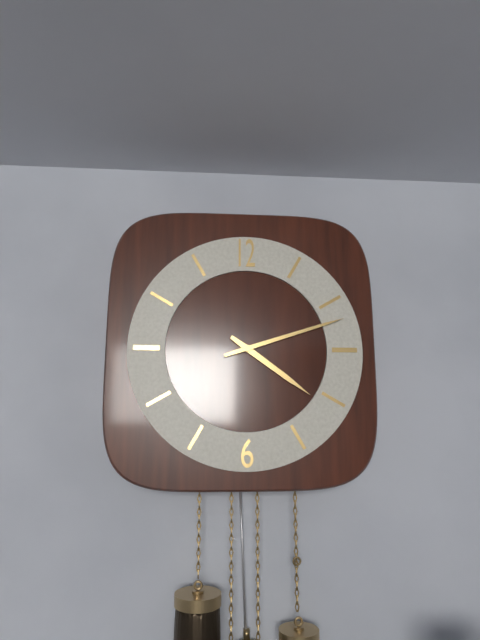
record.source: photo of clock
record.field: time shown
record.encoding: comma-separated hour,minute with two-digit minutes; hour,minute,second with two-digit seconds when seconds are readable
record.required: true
4,12
